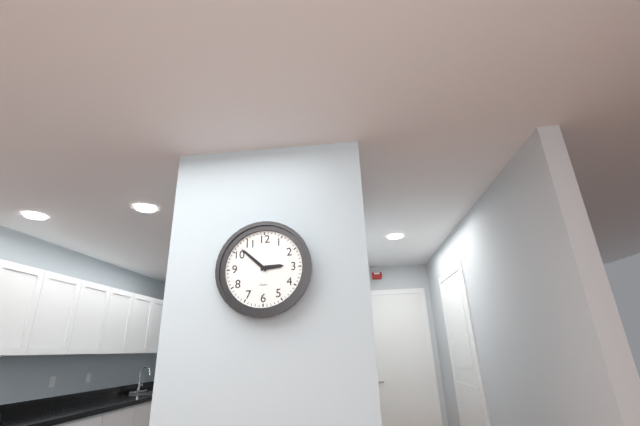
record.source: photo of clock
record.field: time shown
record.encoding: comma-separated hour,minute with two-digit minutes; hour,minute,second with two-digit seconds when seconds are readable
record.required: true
2,52
